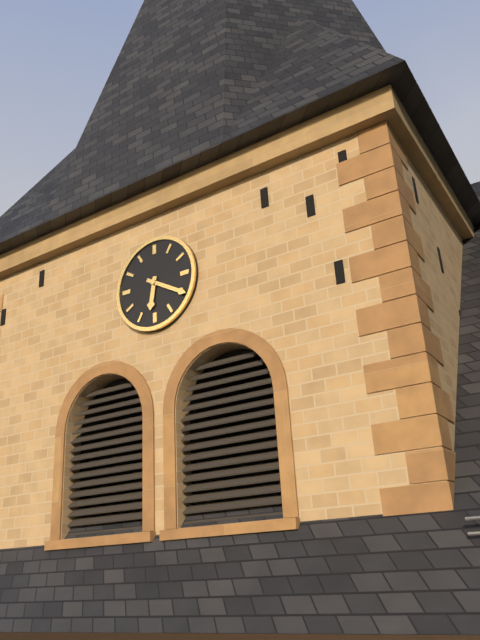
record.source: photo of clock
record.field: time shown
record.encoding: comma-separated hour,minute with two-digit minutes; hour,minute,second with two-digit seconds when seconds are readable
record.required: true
6,20
